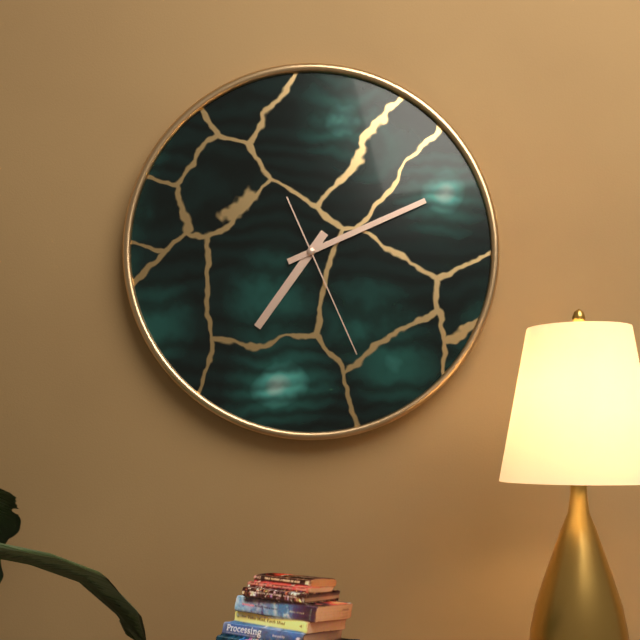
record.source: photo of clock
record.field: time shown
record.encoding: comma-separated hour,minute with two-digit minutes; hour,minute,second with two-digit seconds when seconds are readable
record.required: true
7,11,26
